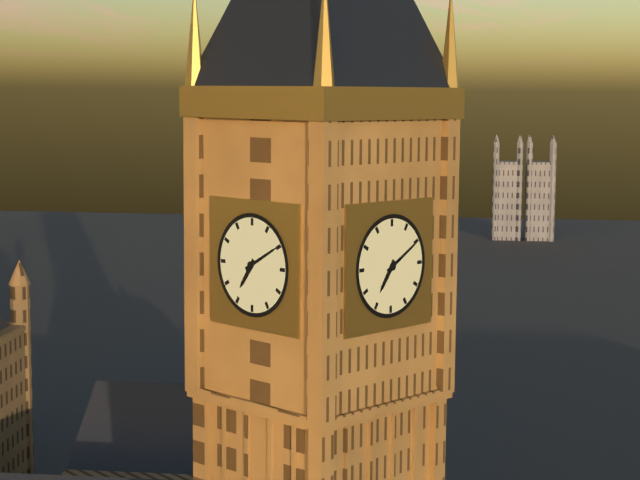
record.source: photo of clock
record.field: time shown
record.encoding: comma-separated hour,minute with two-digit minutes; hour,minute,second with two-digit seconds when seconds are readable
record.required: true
7,10
